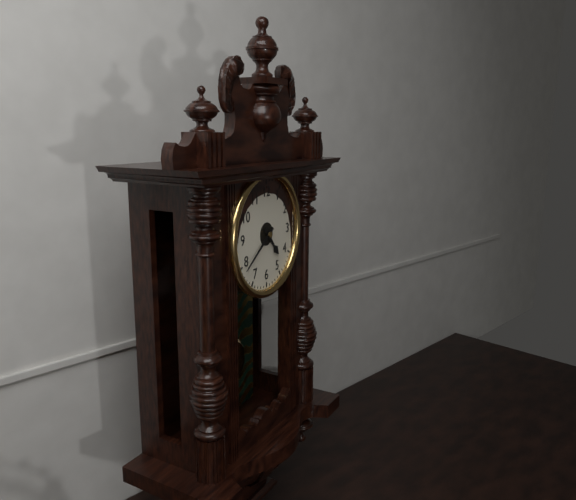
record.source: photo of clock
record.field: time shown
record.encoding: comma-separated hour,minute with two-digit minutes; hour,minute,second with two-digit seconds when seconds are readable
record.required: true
4,39
